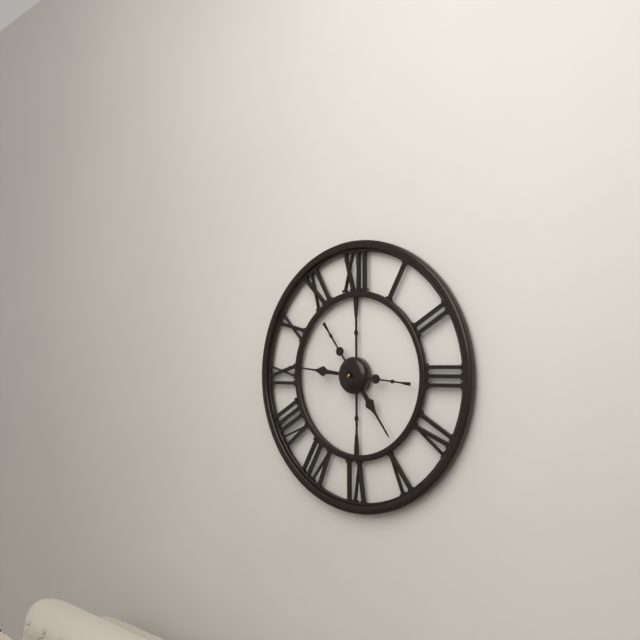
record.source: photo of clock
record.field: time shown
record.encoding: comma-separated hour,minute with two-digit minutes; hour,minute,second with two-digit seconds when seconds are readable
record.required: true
4,46
